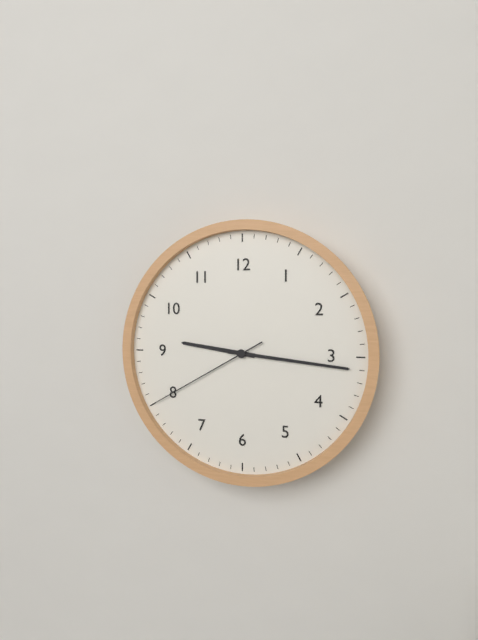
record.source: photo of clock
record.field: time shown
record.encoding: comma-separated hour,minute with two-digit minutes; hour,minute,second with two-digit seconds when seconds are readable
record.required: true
9,16,40
